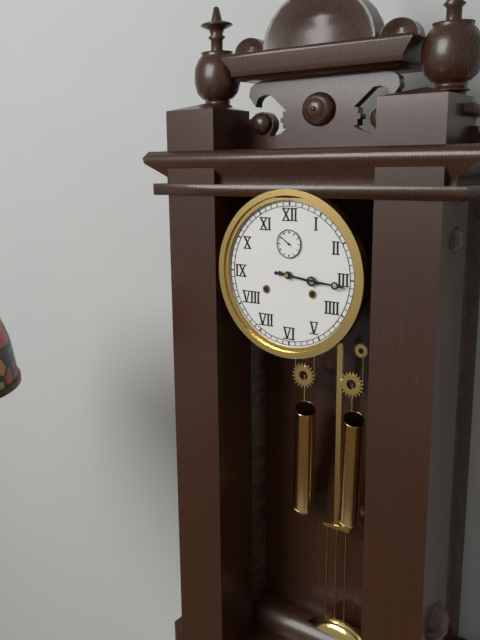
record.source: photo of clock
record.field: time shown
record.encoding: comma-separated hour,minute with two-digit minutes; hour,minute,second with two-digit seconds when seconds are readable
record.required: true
3,16
